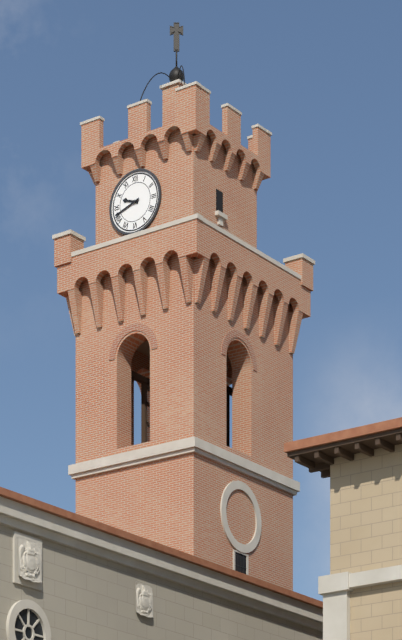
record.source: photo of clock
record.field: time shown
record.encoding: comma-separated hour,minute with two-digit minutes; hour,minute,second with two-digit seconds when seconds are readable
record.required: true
9,42
